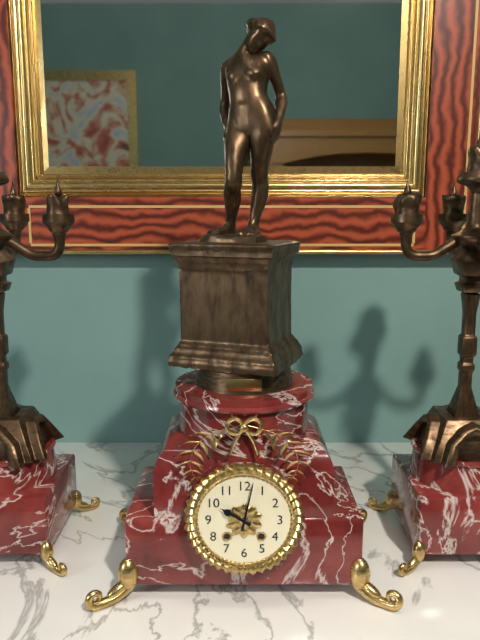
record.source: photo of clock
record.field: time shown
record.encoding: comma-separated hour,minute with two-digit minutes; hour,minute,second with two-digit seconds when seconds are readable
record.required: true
10,02
